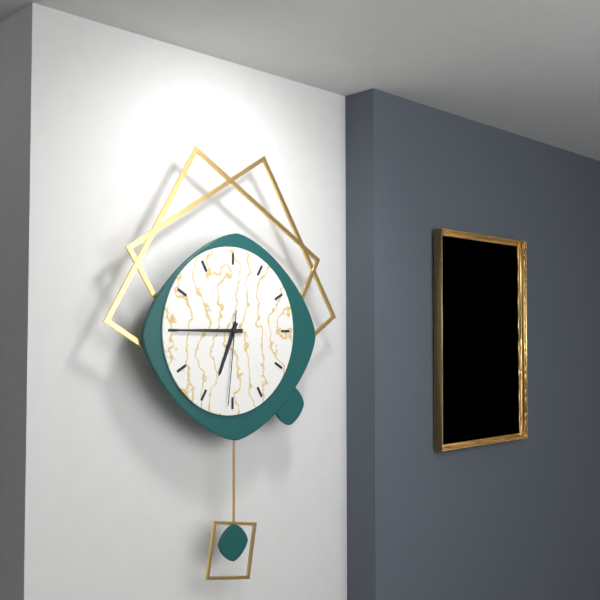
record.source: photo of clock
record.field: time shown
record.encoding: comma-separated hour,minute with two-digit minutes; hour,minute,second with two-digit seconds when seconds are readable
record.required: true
6,45,31
